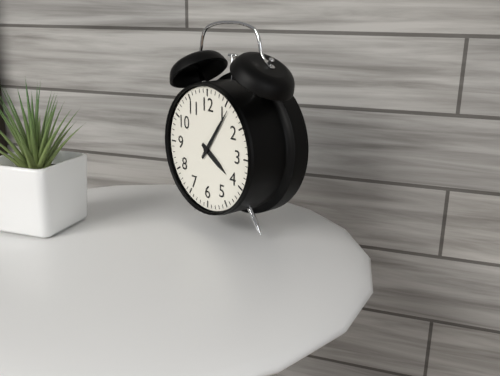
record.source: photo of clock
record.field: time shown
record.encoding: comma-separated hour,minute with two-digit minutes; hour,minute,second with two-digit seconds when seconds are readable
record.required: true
4,06
